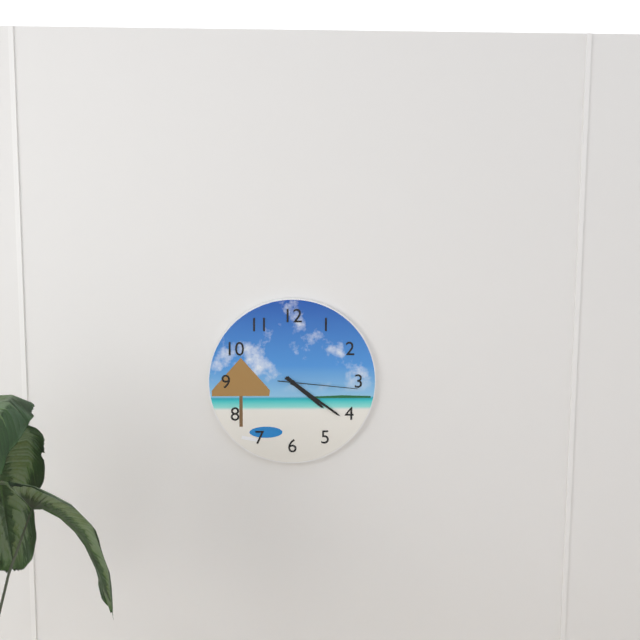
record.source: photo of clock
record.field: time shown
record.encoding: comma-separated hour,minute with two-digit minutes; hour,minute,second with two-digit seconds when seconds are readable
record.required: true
4,21,16
